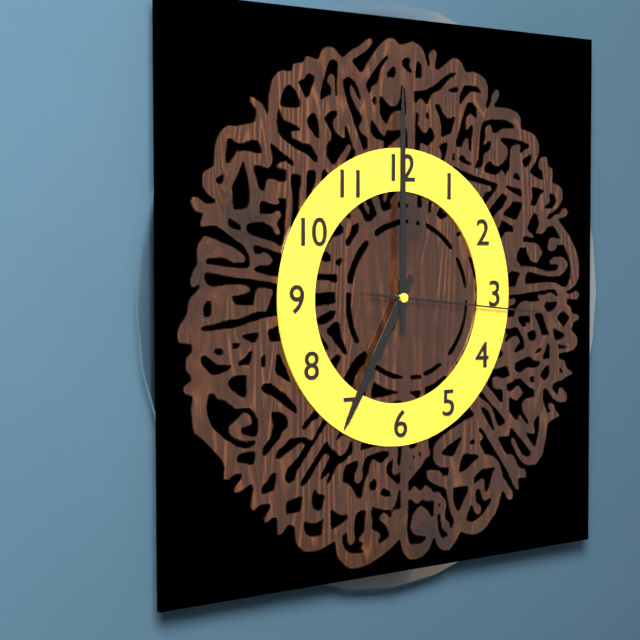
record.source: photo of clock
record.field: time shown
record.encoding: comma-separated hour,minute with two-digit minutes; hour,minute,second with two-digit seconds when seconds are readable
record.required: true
7,00,16
